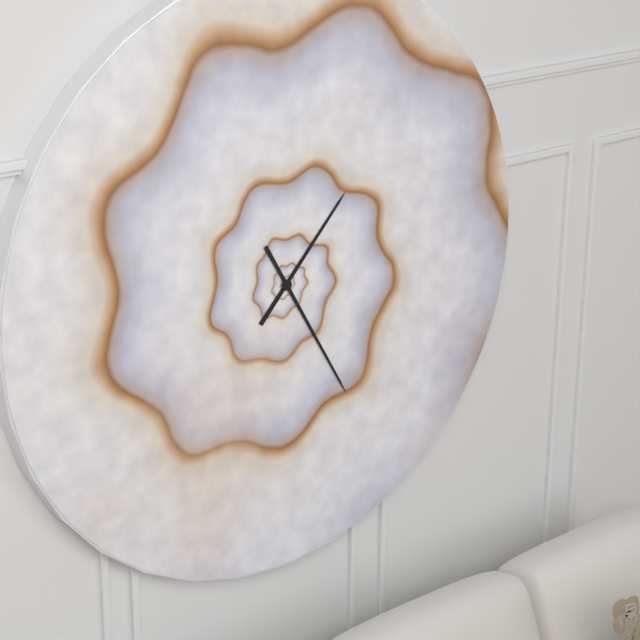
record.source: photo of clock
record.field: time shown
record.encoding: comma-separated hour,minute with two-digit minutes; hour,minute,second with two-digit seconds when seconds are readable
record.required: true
1,25
